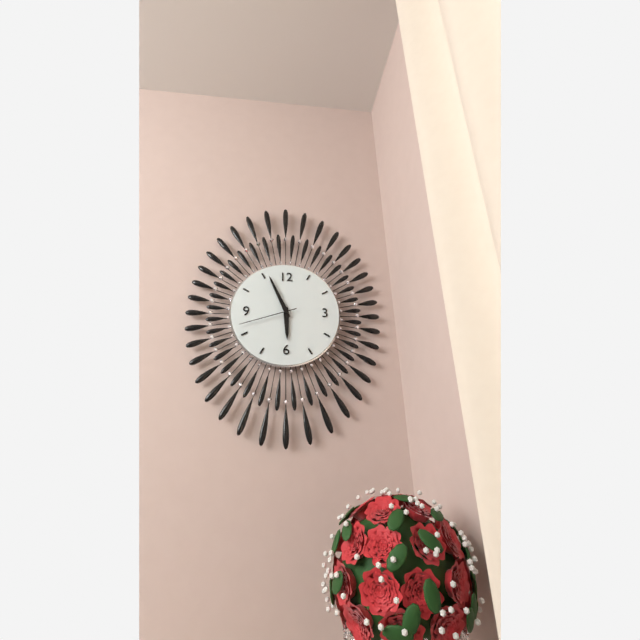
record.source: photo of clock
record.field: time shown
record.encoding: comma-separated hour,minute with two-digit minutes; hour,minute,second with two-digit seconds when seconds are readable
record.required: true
5,56,42
